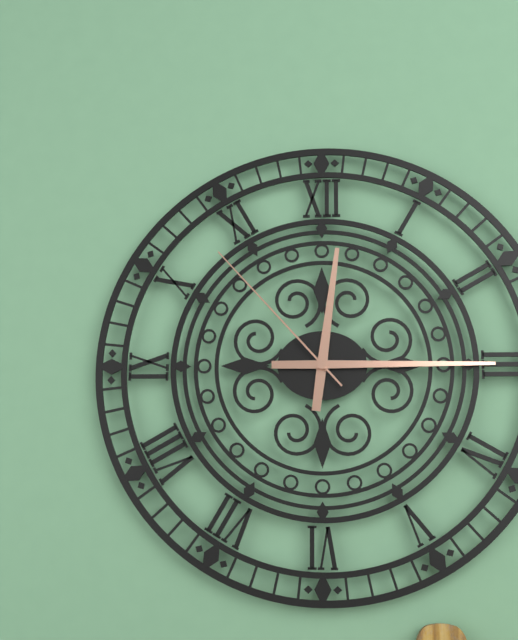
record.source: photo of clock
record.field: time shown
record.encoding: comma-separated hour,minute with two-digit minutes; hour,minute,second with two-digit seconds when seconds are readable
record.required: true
12,15,53
